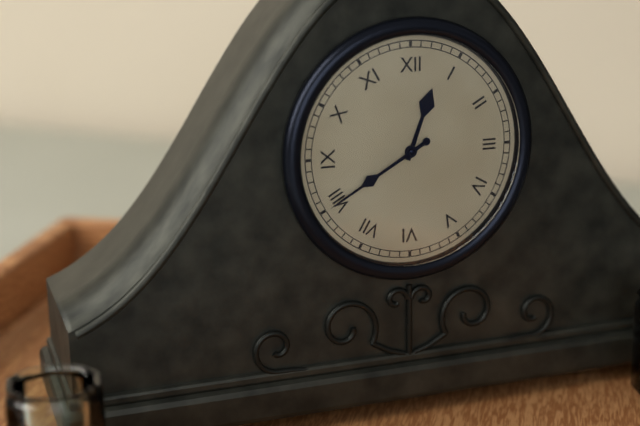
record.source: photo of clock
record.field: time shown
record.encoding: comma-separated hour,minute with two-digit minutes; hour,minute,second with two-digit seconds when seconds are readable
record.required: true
12,40
